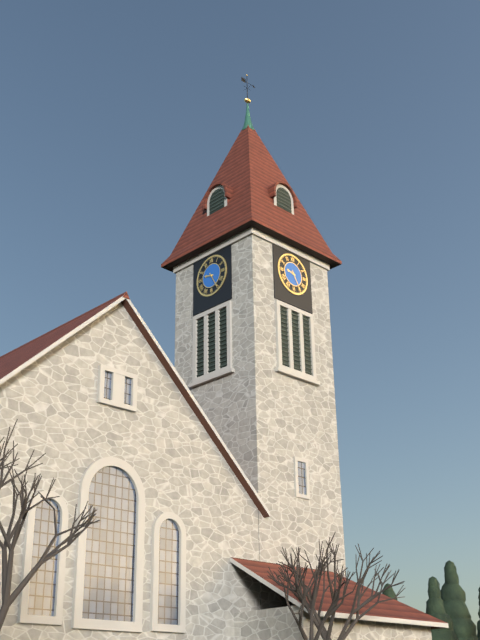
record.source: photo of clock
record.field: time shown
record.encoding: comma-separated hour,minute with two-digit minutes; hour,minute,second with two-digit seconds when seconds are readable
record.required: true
9,25
